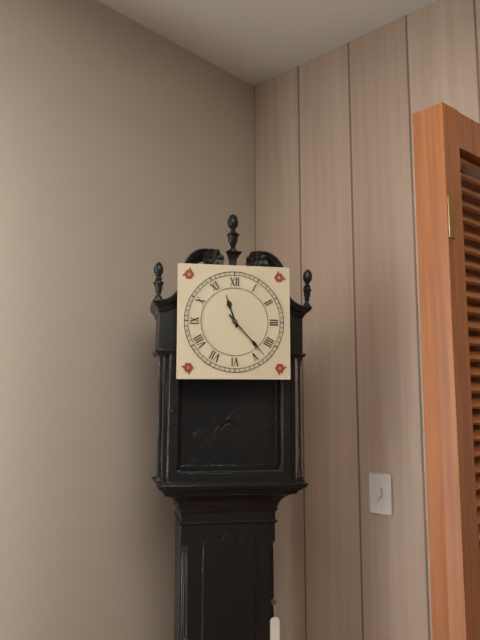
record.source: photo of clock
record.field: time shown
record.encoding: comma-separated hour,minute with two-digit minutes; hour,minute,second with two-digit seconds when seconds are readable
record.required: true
11,23
